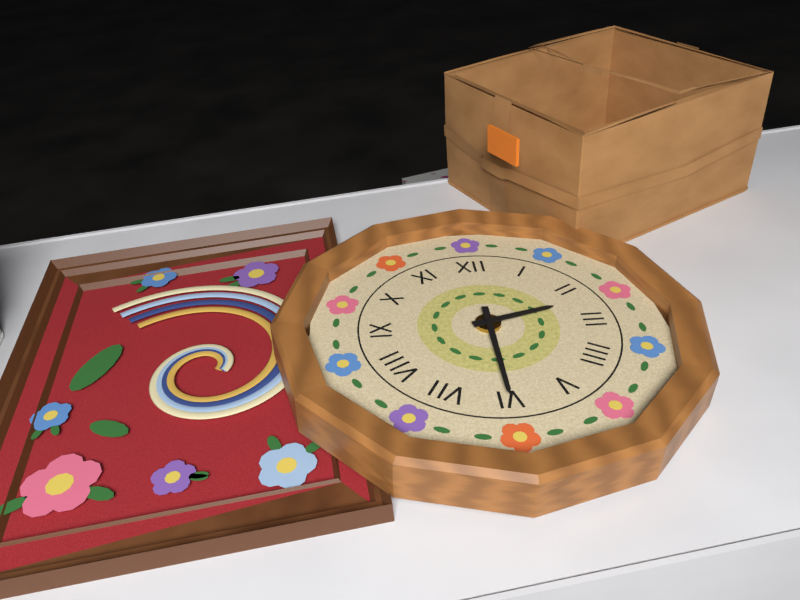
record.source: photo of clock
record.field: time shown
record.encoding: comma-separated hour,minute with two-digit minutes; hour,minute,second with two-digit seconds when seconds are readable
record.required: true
2,30
